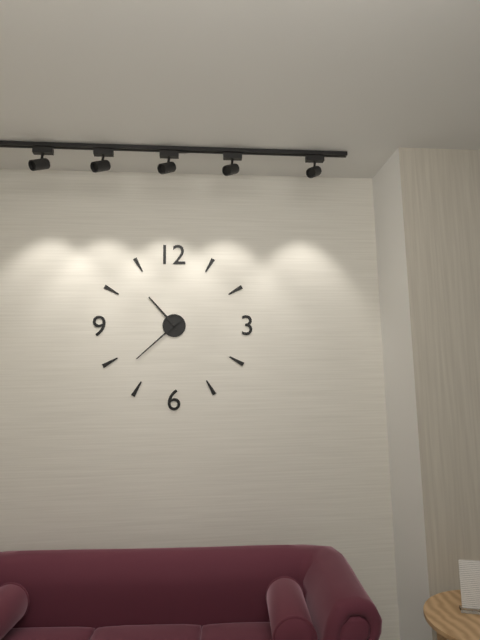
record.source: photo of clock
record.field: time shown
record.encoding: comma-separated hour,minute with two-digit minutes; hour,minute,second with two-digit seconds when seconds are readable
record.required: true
10,38
